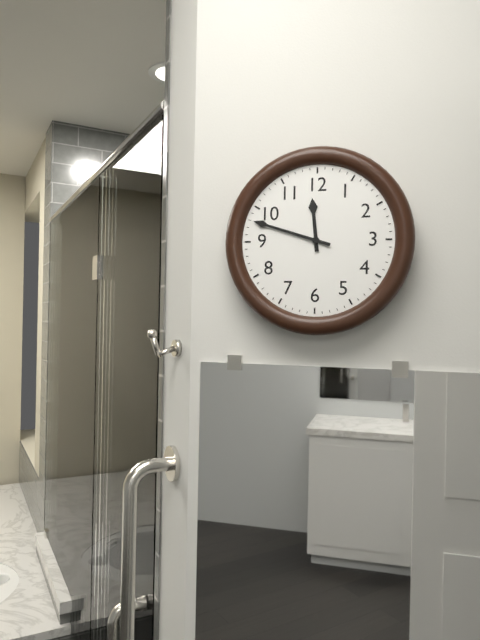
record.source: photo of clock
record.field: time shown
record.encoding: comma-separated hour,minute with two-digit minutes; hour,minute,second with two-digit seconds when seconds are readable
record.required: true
11,48
